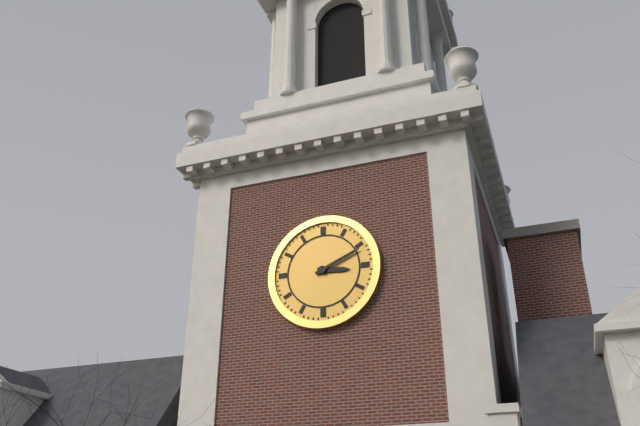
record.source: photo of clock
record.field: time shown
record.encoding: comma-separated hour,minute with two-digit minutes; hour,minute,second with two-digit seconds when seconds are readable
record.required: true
3,11
